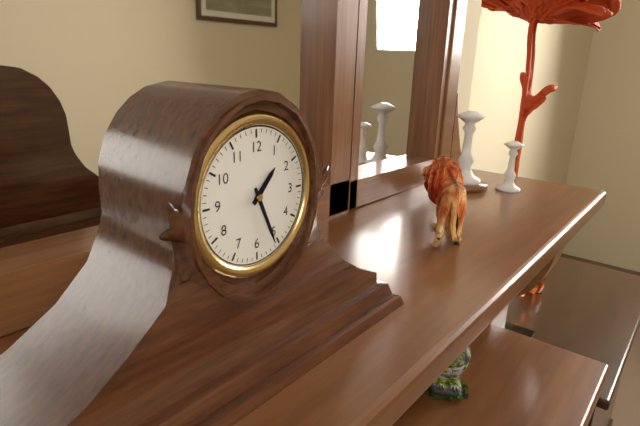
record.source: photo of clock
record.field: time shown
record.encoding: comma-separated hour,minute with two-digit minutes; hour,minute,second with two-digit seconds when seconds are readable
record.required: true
1,26
